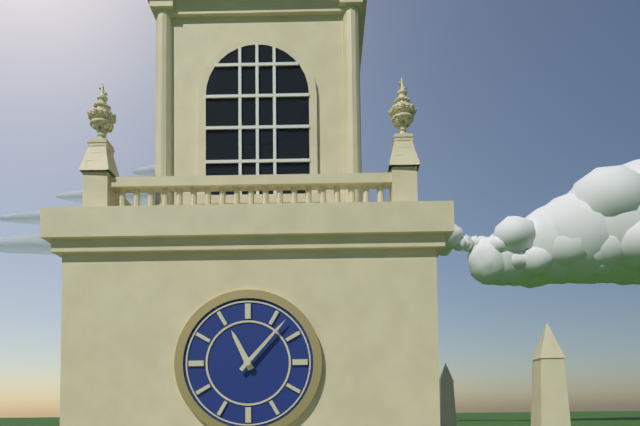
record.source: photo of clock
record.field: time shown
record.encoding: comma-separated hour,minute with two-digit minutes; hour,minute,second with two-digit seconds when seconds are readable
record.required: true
11,07
